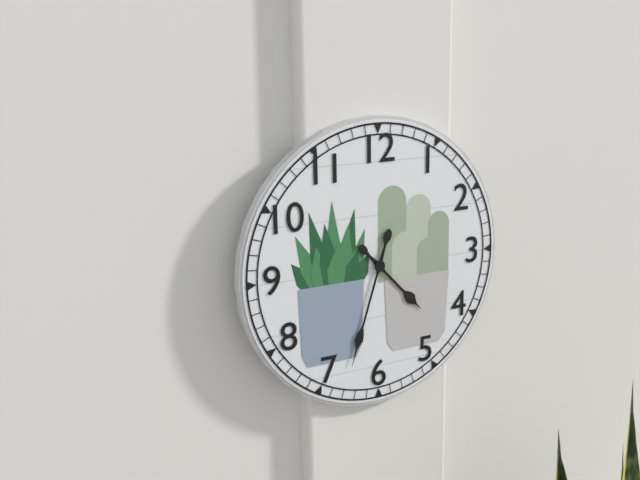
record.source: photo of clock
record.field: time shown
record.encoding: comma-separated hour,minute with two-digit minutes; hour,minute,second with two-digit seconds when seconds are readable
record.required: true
4,33
